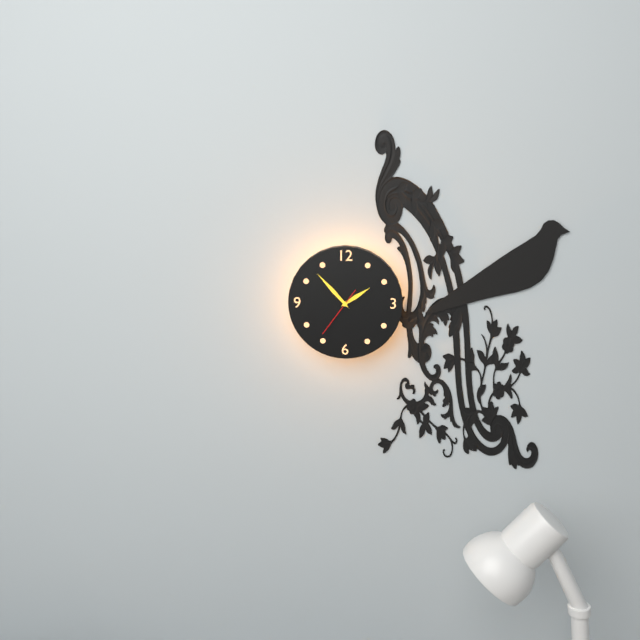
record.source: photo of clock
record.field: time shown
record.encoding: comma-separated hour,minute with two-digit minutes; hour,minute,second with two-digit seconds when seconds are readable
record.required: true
1,53,36
